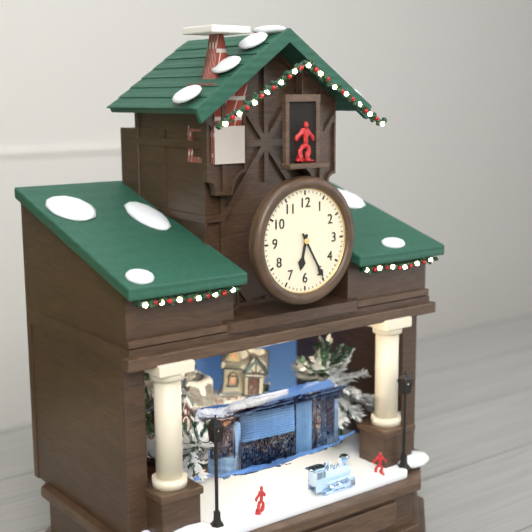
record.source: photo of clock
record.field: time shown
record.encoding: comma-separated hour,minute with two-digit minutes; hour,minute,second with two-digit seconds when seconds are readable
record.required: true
6,25
